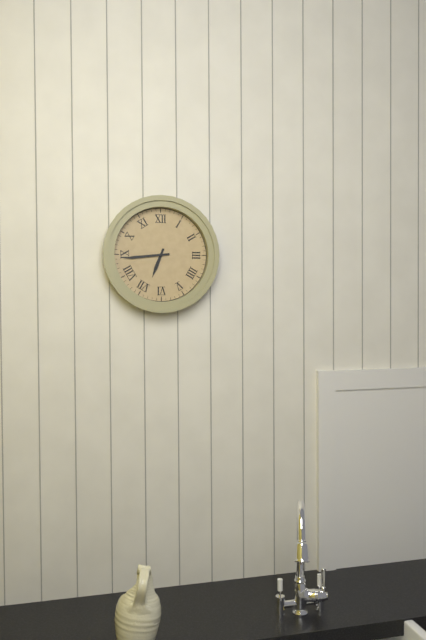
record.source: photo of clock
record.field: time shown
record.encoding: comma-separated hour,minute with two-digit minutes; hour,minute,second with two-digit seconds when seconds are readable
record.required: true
6,44
